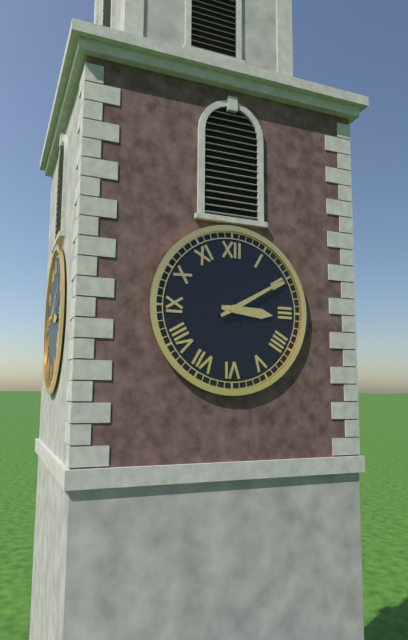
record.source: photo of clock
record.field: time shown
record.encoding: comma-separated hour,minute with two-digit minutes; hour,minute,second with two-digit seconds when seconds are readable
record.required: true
3,10
